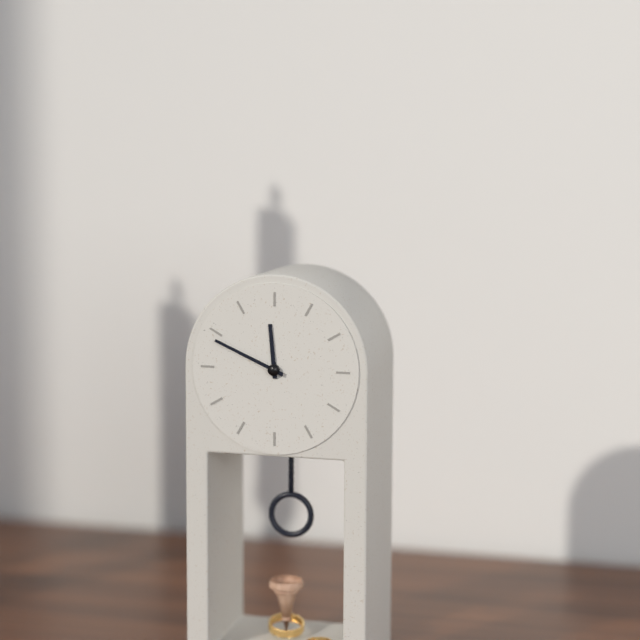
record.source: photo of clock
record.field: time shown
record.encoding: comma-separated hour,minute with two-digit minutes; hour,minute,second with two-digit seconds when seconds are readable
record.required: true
11,49
